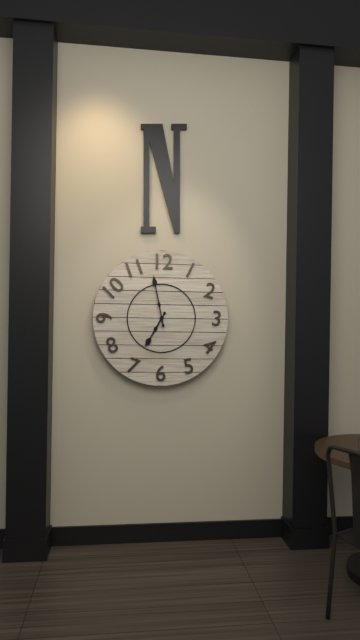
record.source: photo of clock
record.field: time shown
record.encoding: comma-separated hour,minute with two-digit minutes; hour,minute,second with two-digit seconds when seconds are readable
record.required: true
6,58
